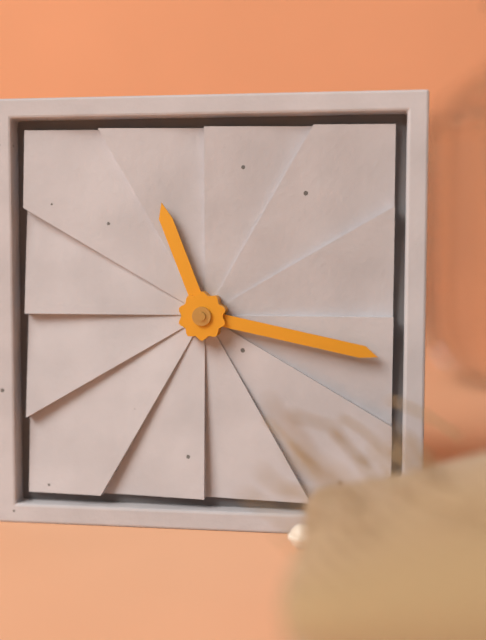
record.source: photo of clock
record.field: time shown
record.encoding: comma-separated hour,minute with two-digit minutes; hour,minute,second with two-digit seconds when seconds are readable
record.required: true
11,17
